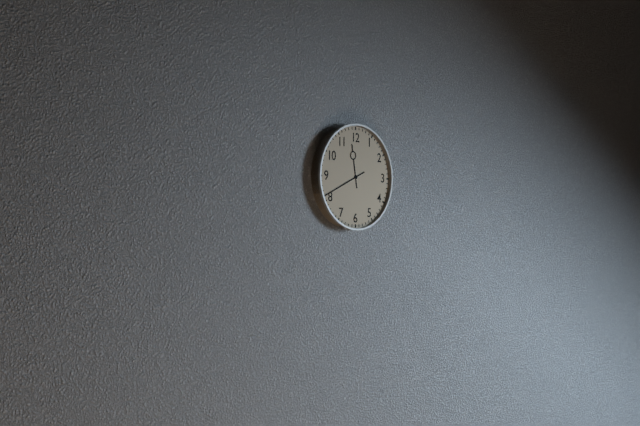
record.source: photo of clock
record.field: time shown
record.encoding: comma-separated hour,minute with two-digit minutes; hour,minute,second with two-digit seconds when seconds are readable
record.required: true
11,41
